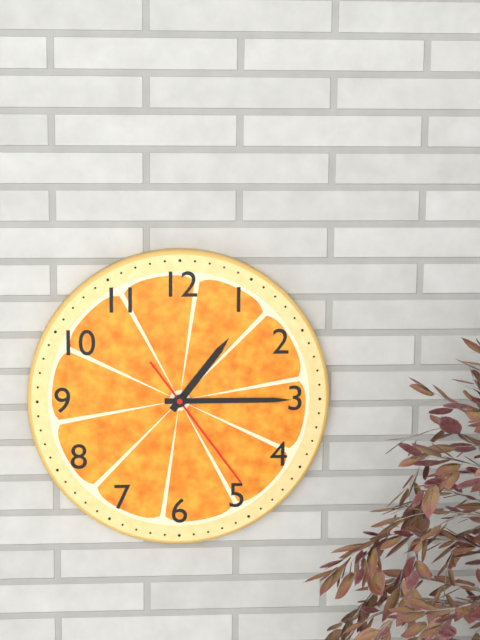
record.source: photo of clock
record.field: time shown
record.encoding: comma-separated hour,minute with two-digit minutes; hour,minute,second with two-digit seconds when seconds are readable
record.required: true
1,15,24
